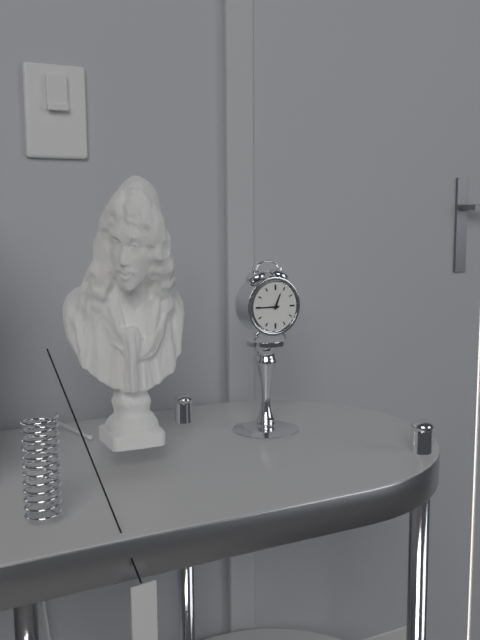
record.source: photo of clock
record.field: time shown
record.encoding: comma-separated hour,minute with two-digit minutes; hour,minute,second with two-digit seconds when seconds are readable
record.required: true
12,45
